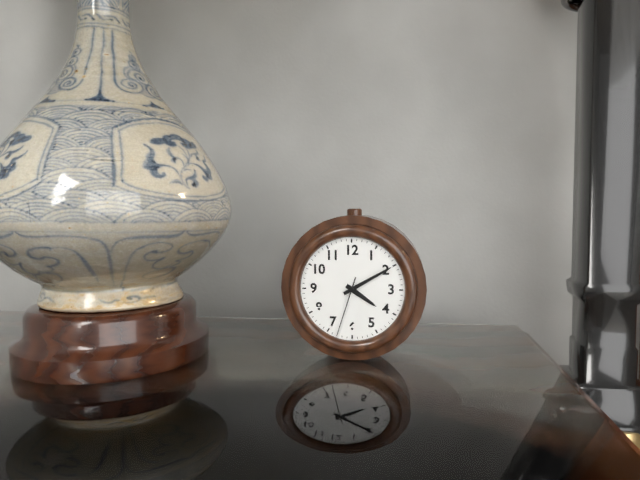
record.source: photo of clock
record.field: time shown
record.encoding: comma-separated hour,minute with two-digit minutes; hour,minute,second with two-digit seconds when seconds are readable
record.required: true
4,10,33
